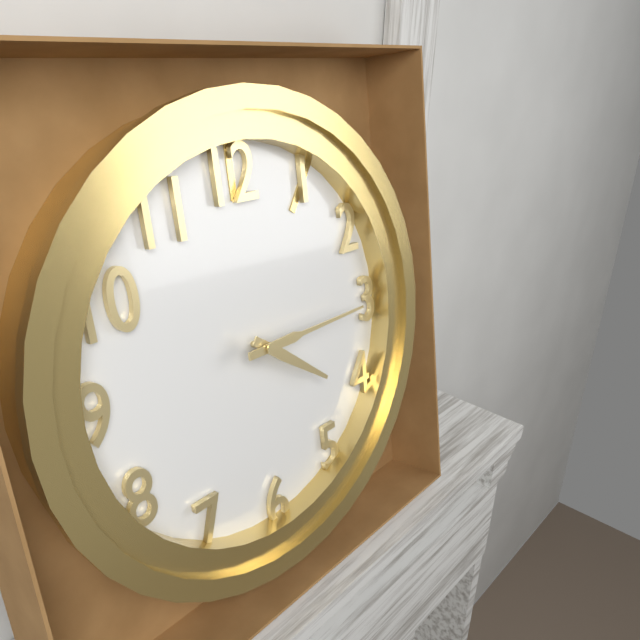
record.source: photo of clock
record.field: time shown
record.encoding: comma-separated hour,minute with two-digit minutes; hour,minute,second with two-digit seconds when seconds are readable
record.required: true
4,15
